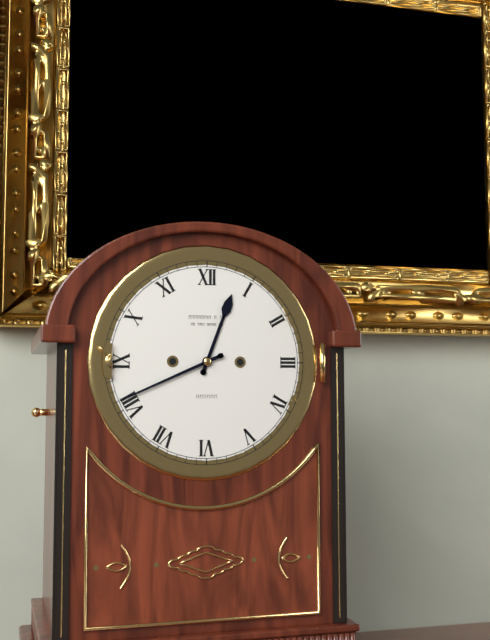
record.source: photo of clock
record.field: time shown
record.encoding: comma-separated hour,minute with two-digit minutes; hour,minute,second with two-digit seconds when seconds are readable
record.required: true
12,41
